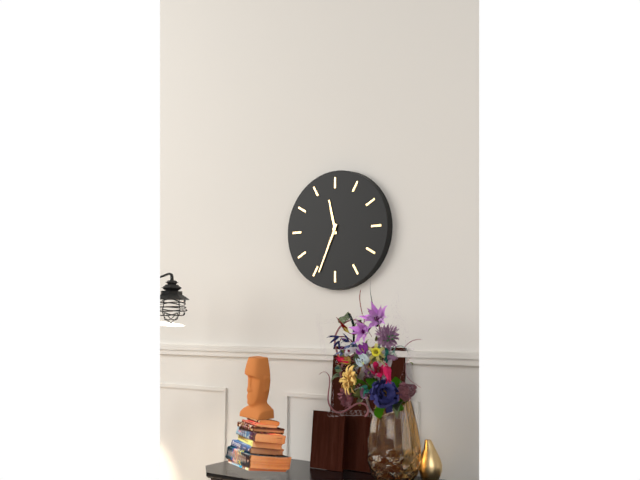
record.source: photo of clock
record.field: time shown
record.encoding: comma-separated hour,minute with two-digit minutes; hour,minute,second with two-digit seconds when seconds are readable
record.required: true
11,34
